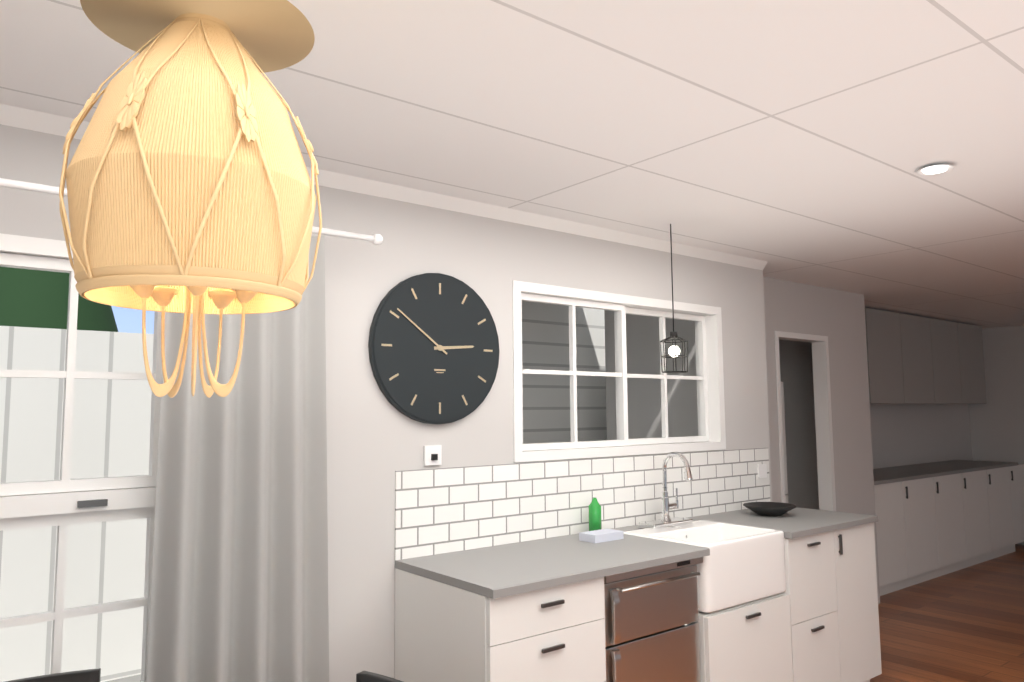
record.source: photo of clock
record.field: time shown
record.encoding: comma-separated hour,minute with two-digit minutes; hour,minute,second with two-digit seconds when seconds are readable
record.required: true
2,51
